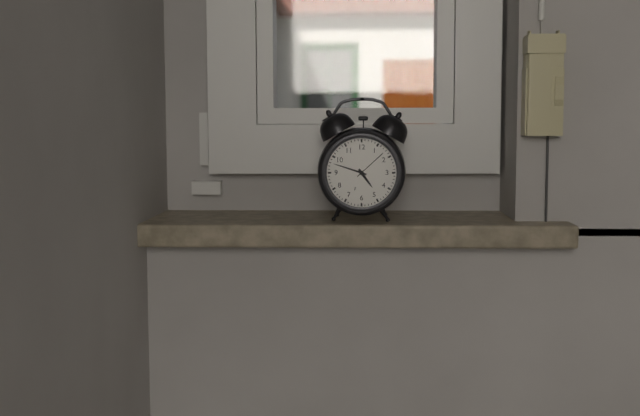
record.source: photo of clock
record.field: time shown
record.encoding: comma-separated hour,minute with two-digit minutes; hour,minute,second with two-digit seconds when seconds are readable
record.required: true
4,48
